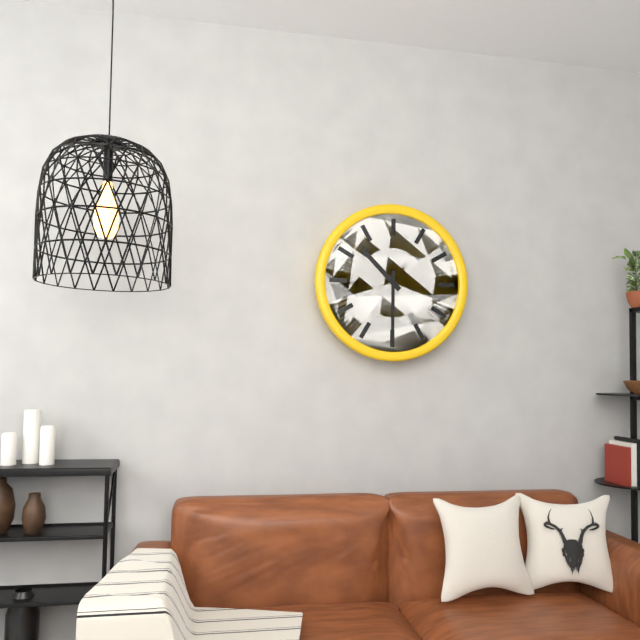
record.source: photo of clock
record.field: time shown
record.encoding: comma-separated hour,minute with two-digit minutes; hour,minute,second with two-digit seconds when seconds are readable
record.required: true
10,30
